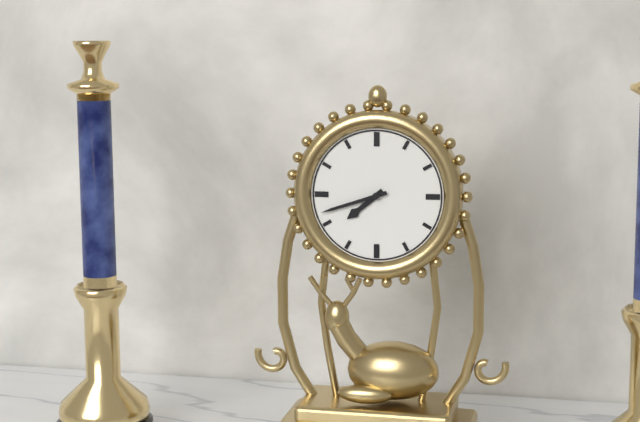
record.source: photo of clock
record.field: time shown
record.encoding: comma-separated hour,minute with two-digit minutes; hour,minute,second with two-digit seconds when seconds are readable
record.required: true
7,42
